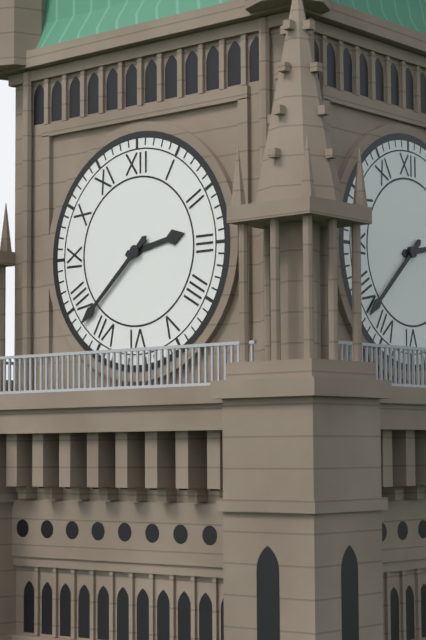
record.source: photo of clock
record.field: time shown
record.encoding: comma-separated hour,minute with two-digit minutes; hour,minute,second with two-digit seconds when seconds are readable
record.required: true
2,38
